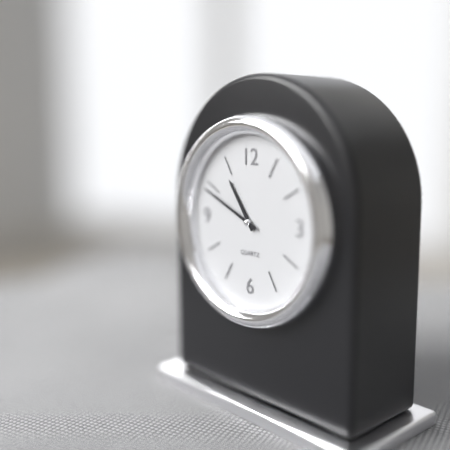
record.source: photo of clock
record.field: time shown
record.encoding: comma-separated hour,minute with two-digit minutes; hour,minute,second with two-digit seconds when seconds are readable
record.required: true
10,49
